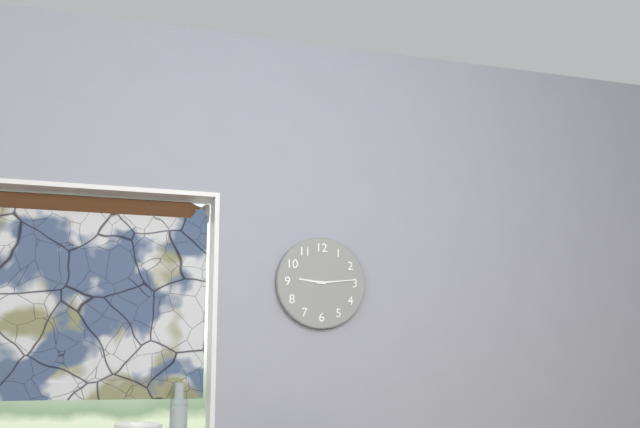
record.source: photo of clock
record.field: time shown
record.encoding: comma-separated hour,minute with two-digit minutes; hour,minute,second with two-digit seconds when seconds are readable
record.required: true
9,14
